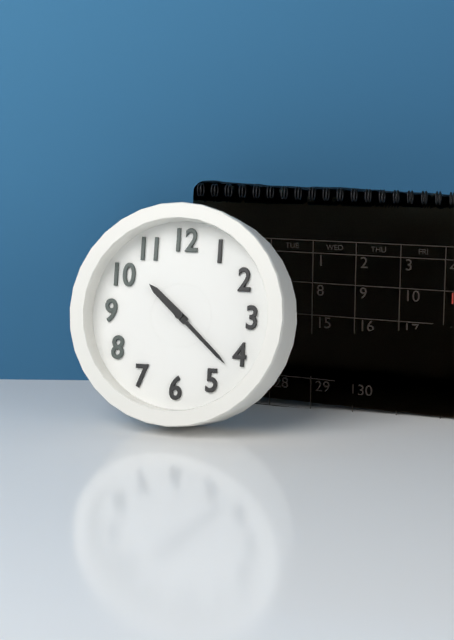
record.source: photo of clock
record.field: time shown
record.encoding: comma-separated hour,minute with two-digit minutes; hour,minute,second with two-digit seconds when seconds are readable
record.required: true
10,22
